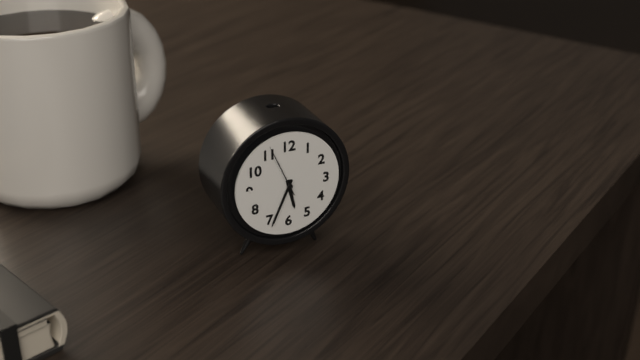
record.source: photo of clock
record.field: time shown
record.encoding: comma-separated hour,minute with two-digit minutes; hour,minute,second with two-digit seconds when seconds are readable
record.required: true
5,34,56
